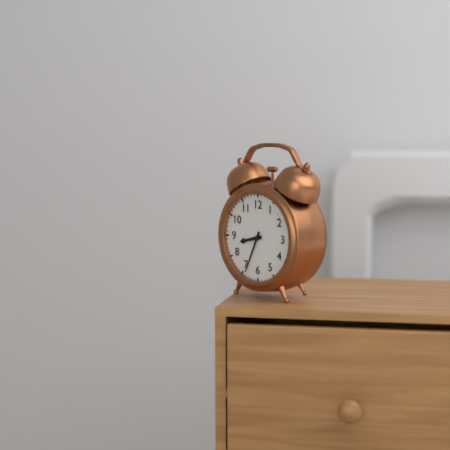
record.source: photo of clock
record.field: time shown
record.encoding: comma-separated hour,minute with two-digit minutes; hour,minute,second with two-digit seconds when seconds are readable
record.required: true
8,34
